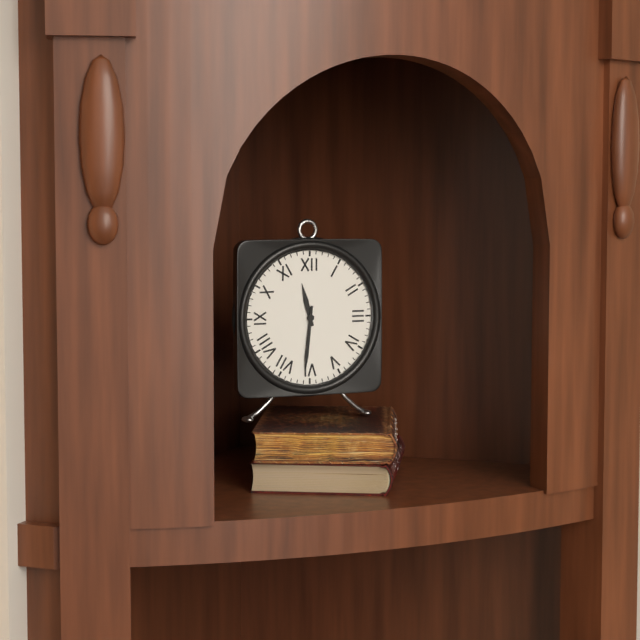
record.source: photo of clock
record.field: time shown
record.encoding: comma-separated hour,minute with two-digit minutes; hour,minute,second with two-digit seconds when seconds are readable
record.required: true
11,31
